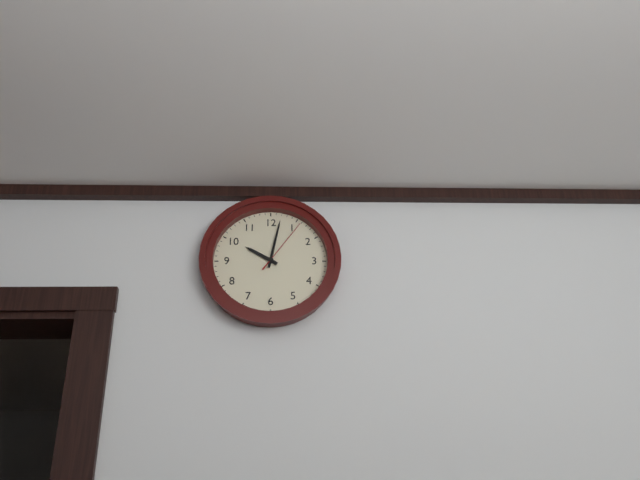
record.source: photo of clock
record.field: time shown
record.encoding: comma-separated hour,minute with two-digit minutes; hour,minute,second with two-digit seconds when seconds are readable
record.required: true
10,02,06
